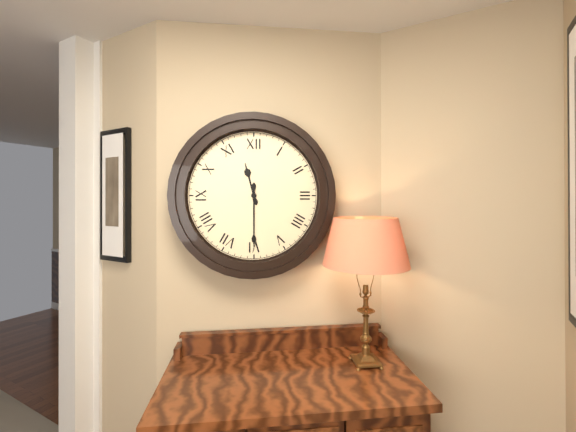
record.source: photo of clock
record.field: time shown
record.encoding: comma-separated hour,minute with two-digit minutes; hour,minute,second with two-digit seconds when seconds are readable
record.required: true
11,30
